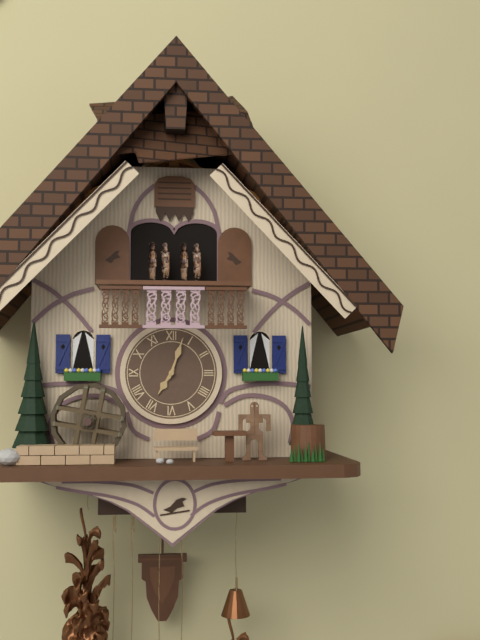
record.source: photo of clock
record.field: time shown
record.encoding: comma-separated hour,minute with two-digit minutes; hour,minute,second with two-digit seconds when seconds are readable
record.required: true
7,03
